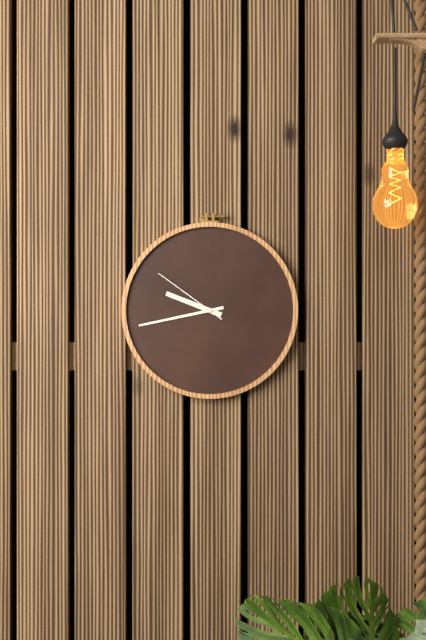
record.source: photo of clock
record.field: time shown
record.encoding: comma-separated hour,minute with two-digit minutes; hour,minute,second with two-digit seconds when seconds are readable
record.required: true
9,43,51
